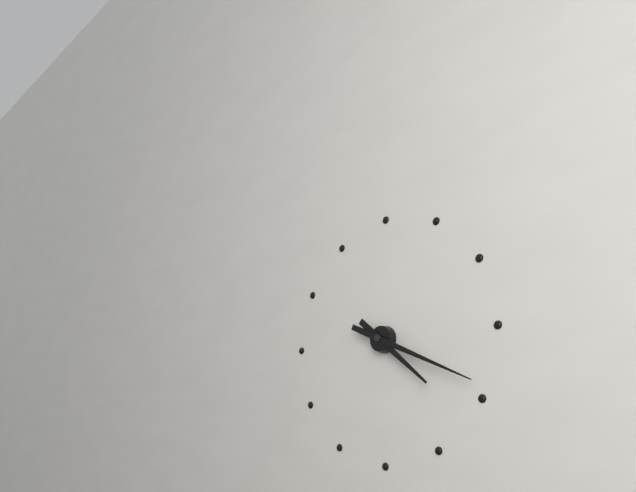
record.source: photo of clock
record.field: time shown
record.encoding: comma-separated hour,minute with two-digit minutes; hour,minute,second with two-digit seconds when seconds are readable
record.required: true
4,19
